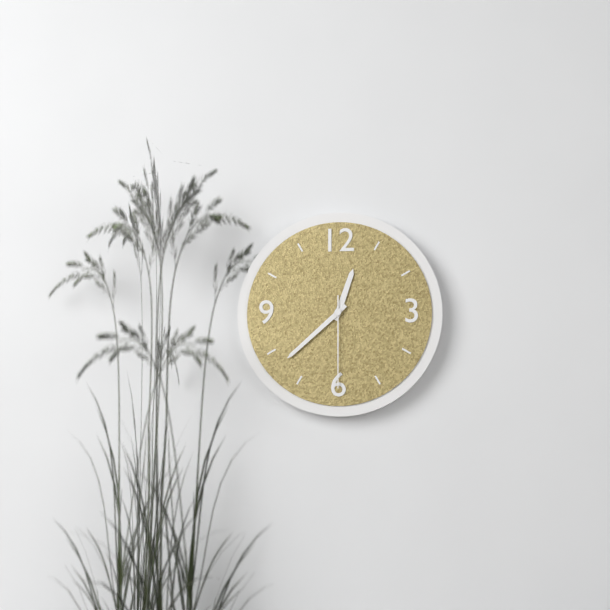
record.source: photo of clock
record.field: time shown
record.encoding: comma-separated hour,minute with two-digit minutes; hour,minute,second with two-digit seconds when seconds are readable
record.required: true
12,38,30
